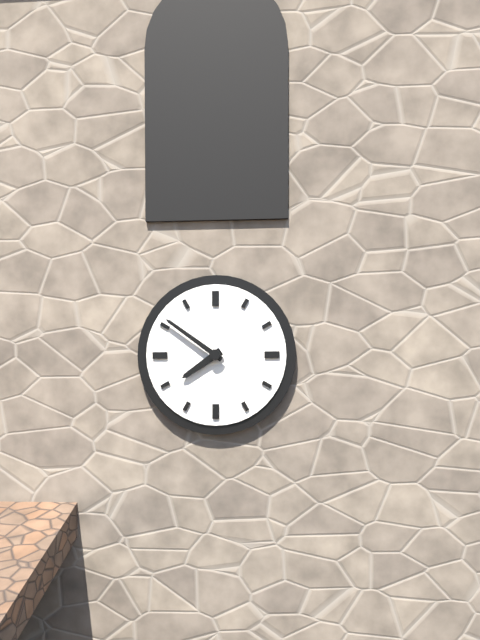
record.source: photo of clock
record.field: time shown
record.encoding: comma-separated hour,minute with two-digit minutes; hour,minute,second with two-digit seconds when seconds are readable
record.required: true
7,51
